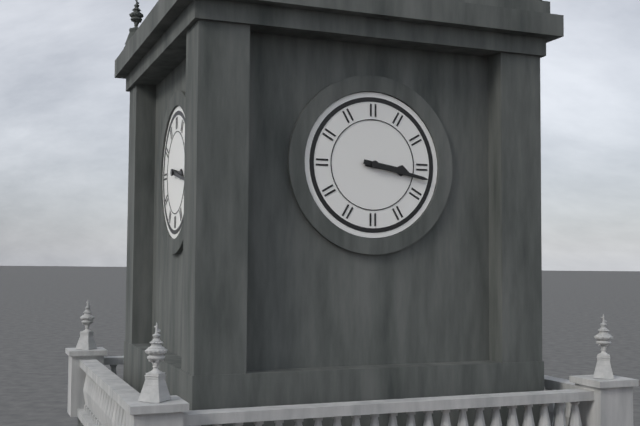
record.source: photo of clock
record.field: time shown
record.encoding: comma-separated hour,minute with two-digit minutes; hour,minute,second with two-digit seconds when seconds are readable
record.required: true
3,17
